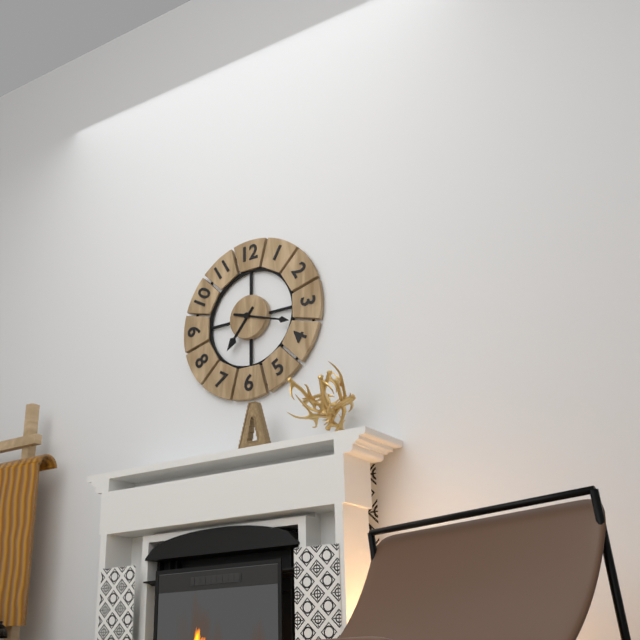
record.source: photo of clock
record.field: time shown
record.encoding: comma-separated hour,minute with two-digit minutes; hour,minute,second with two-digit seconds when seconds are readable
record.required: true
7,18
